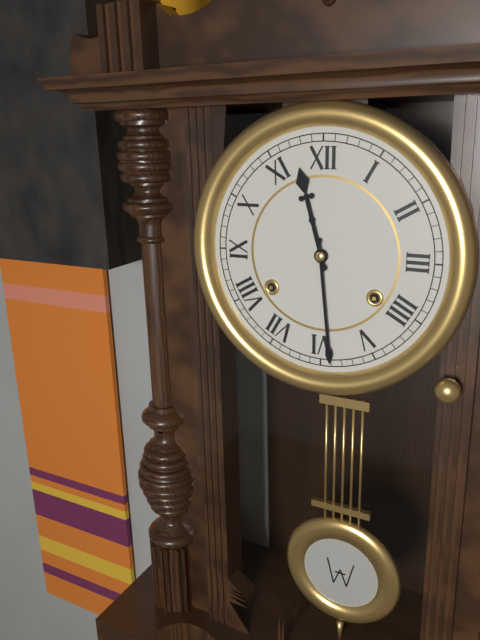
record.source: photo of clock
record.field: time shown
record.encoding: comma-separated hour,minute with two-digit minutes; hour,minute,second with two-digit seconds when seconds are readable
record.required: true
11,29
